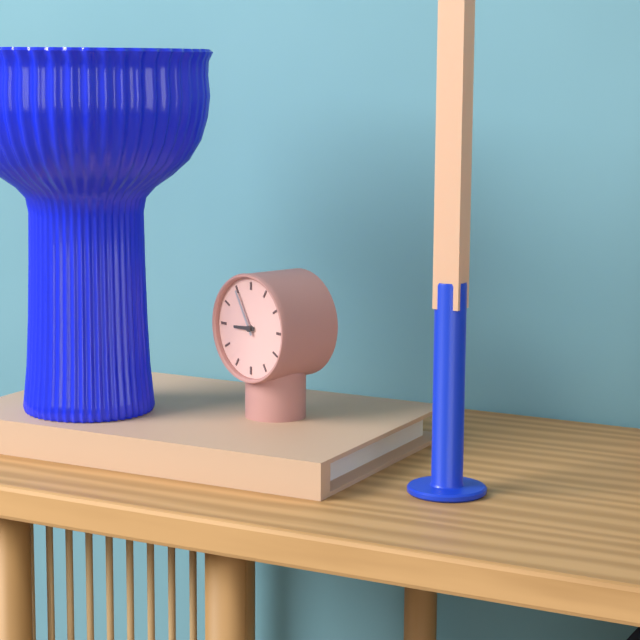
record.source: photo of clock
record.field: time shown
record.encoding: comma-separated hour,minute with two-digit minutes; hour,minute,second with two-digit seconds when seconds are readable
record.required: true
8,55
